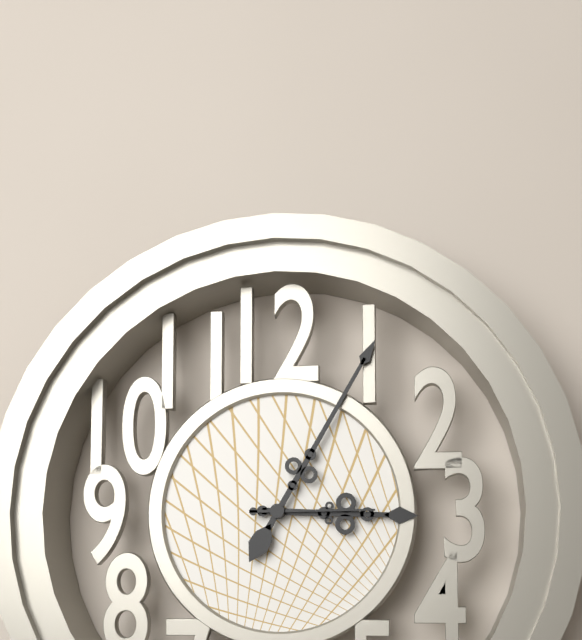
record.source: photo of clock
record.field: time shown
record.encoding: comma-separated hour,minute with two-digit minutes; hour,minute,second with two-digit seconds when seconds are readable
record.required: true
3,05,15
